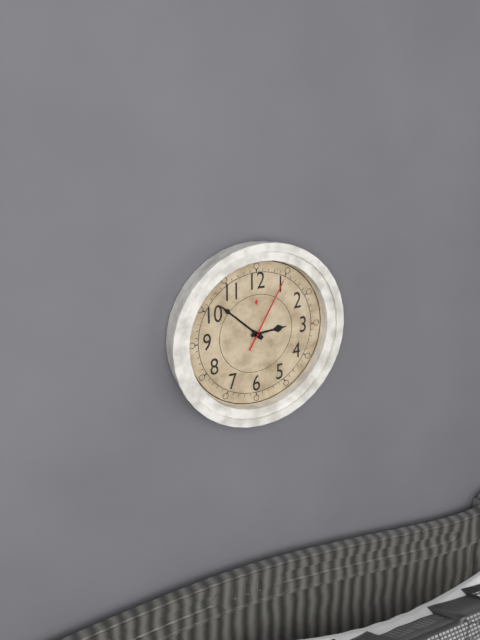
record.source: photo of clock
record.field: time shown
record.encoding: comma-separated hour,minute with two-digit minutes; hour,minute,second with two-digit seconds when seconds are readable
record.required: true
2,52,05
